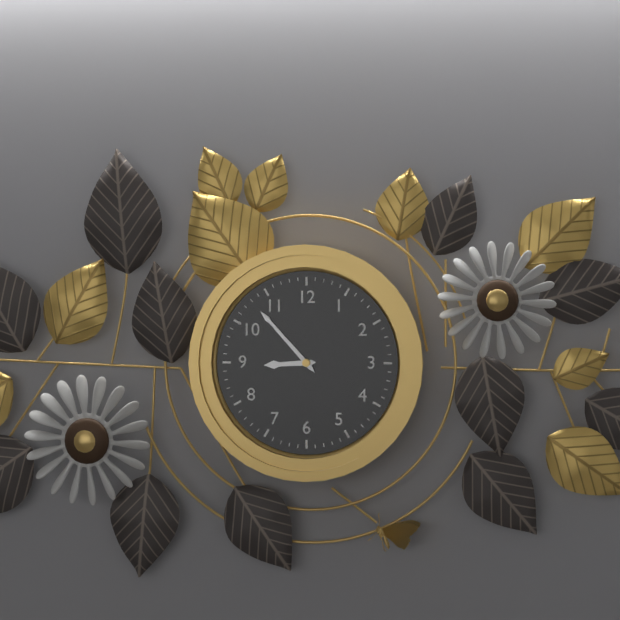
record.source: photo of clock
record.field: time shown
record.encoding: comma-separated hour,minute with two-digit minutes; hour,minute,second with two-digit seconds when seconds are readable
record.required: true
8,53
